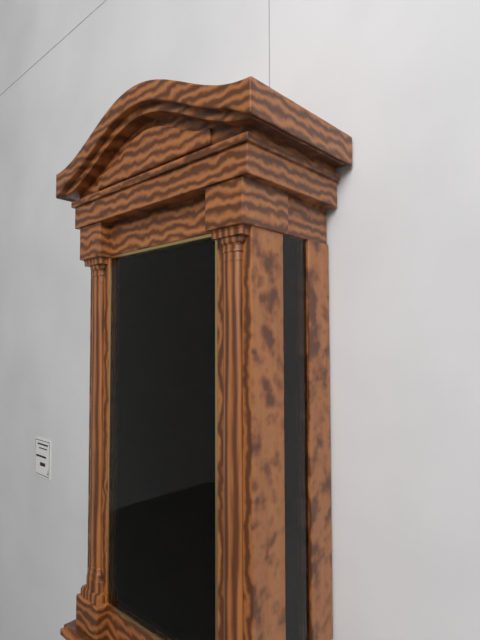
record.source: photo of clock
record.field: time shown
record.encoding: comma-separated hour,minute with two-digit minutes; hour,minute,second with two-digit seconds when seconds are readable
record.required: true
1,18
